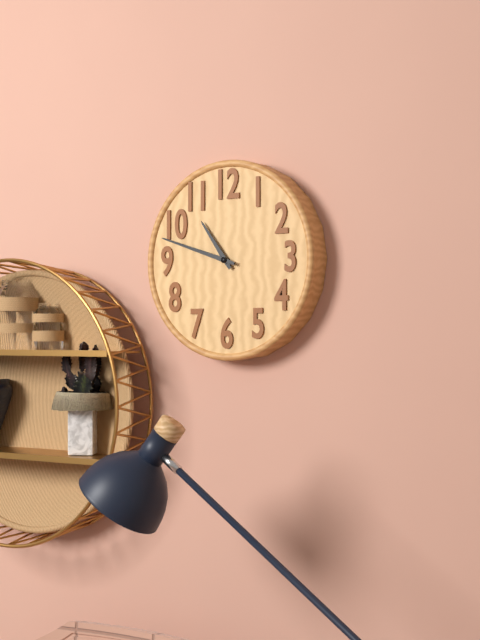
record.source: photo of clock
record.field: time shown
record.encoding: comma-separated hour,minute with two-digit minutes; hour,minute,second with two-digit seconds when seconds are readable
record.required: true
10,48
